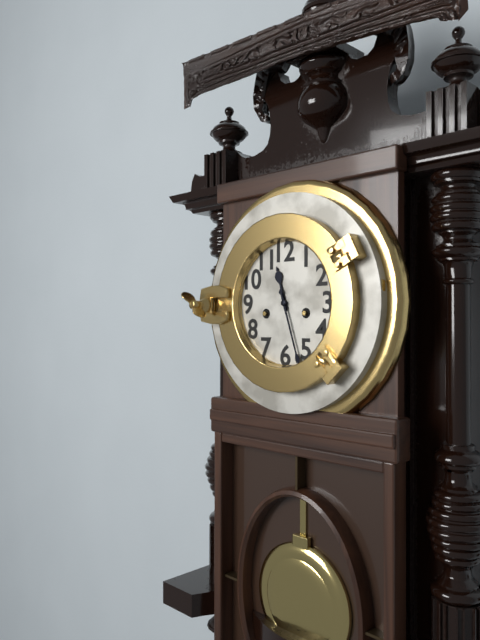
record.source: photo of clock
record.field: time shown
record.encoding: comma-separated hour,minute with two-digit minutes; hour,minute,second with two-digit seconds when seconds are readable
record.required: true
11,27
